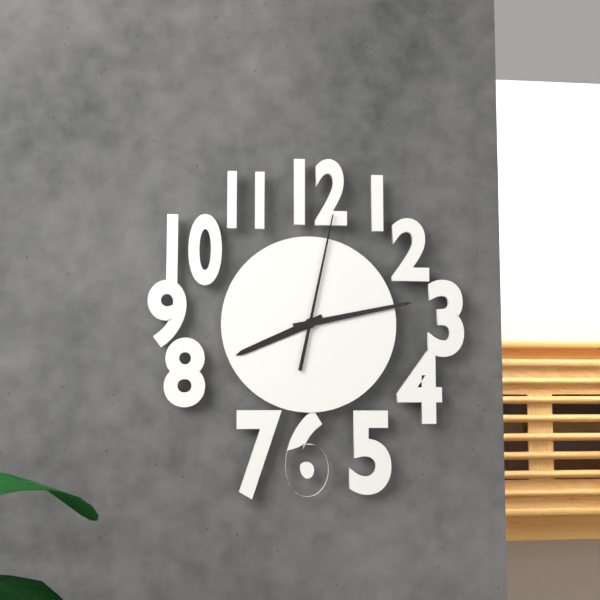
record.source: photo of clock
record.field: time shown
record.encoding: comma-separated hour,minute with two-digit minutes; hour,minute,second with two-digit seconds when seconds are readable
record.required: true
8,13,02
